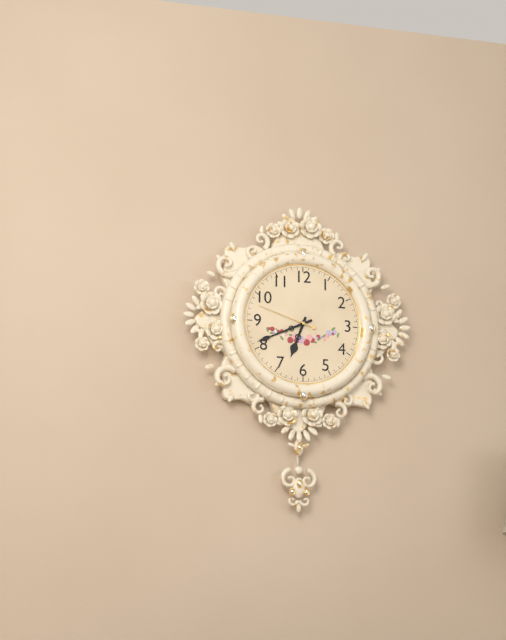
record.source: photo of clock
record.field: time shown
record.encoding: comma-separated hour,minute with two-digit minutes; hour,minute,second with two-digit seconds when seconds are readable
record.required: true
6,41,48
